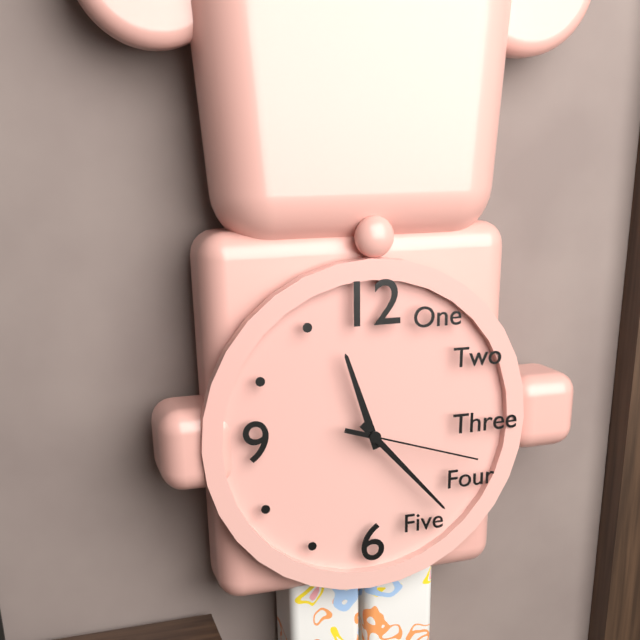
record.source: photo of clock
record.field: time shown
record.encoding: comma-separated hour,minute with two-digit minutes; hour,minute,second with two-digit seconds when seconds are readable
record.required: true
11,23,18
